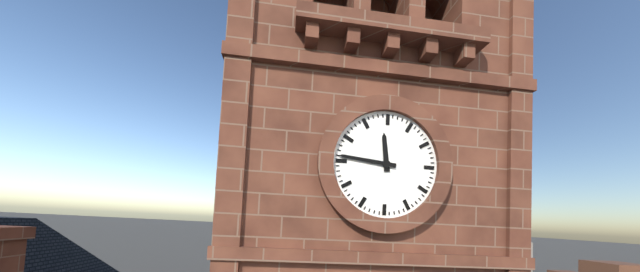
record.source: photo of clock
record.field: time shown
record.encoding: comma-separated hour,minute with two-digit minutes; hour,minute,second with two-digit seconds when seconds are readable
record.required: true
11,46
